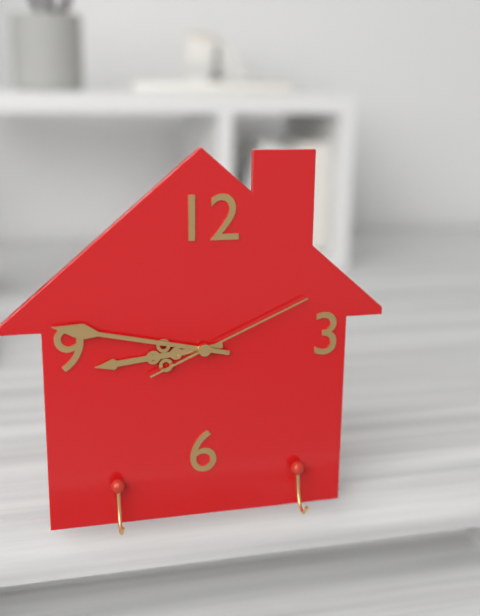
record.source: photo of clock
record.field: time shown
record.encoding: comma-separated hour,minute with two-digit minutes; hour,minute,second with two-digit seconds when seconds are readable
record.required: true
8,47,11
